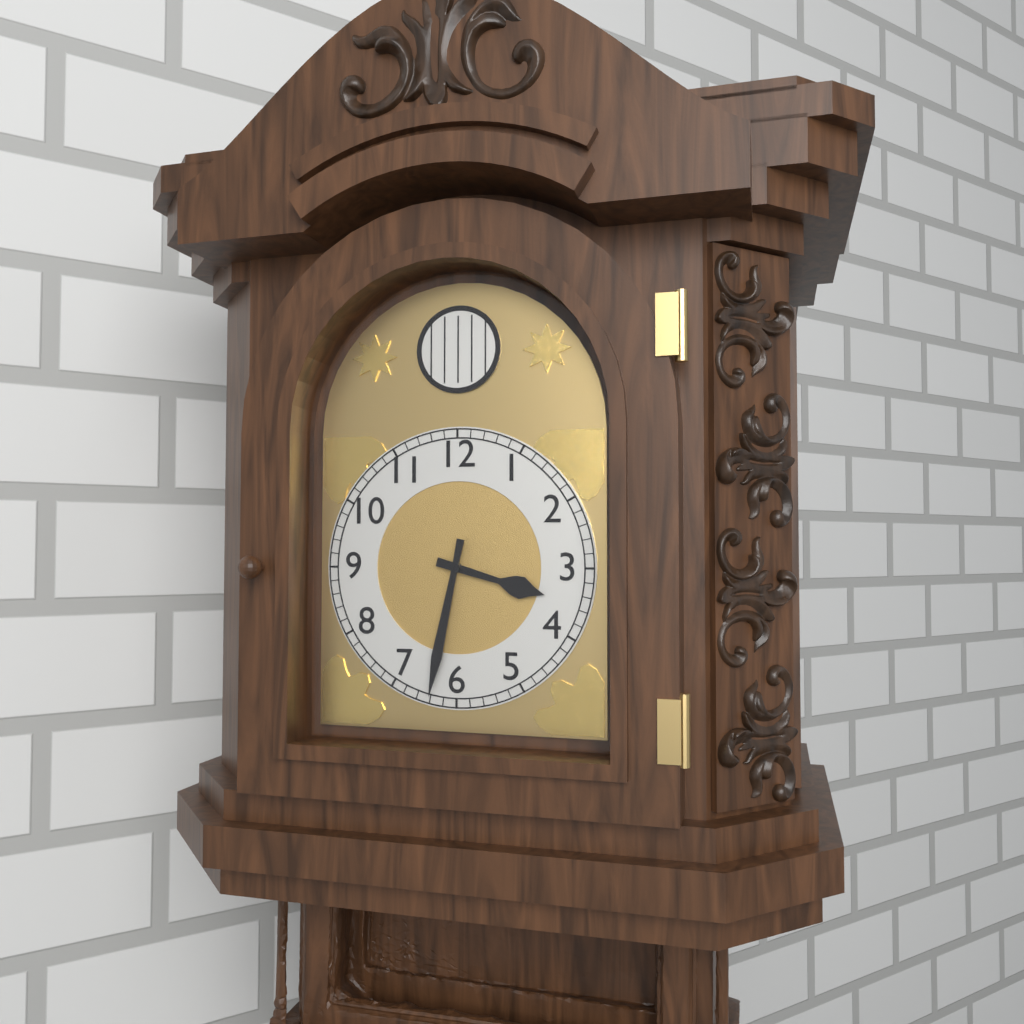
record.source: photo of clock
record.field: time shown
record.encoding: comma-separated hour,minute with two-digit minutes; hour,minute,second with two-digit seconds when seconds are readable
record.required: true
3,32
